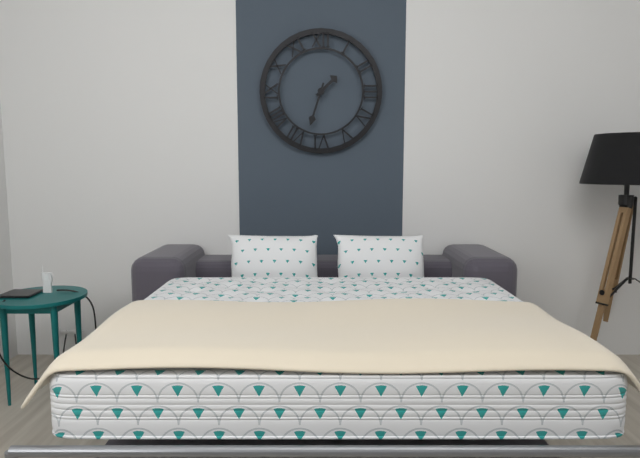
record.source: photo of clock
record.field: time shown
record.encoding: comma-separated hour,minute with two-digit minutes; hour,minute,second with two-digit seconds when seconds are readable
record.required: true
1,33
